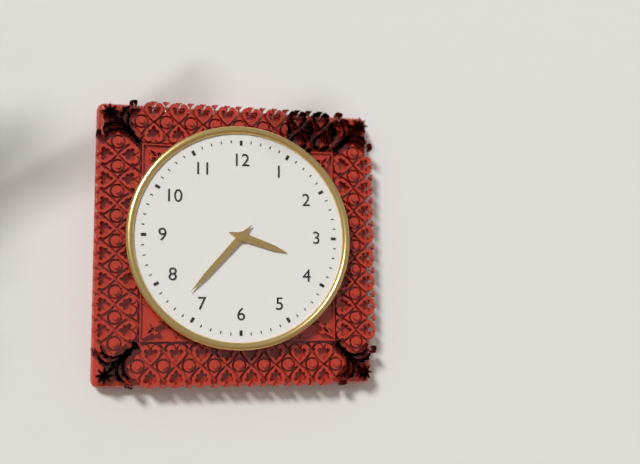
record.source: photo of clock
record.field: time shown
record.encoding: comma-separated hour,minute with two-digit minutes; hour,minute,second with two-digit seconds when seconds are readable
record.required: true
3,37
